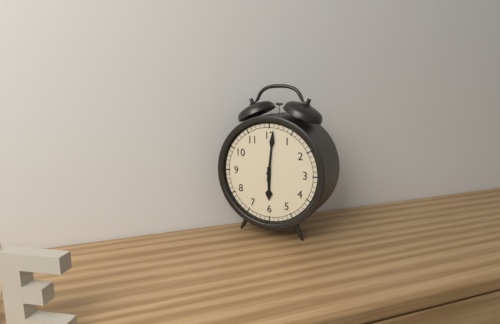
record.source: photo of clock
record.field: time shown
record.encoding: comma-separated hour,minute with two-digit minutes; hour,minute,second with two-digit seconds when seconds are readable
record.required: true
6,01
